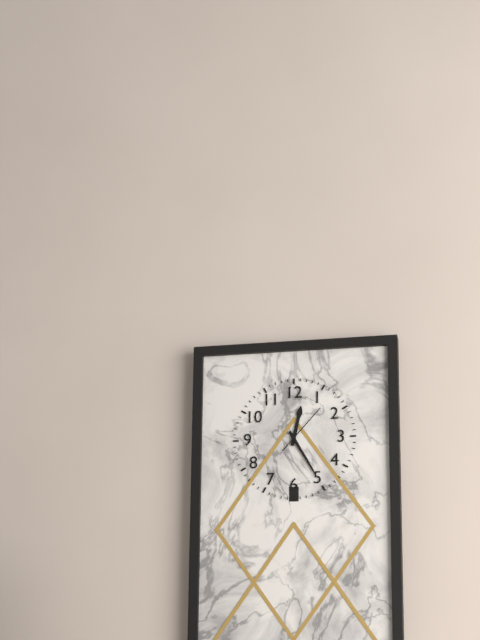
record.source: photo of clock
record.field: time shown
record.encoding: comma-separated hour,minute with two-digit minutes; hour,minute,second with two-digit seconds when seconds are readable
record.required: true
12,25,07
